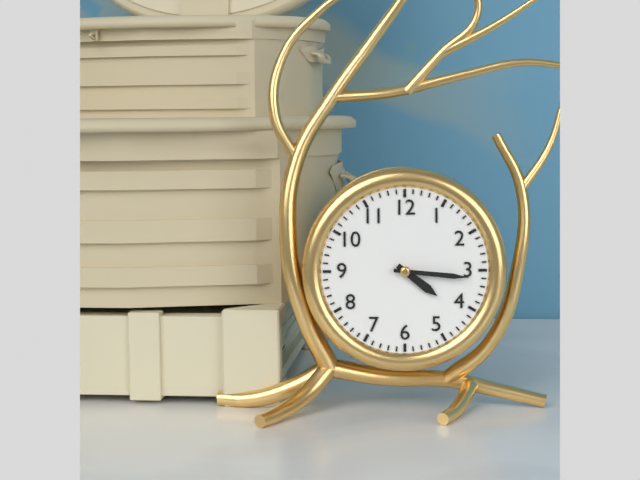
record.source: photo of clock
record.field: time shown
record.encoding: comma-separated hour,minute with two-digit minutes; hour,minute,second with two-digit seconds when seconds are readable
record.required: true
4,16
